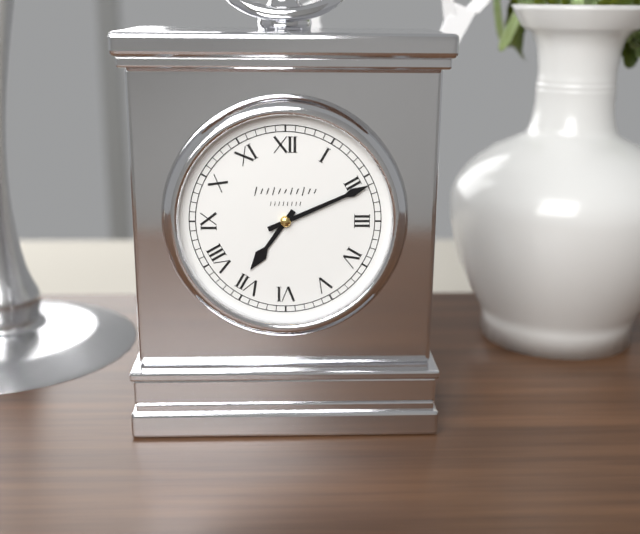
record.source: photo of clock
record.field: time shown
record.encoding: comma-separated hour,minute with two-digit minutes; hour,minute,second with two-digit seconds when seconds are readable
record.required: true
7,11
